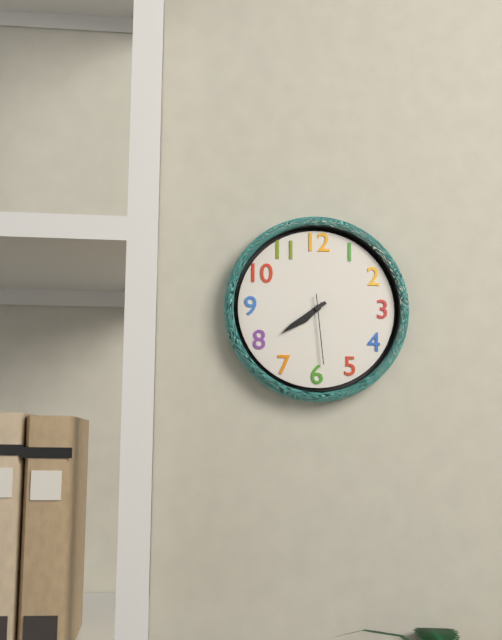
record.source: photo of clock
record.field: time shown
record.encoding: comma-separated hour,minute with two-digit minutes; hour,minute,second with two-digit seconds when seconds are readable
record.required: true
7,39,29
